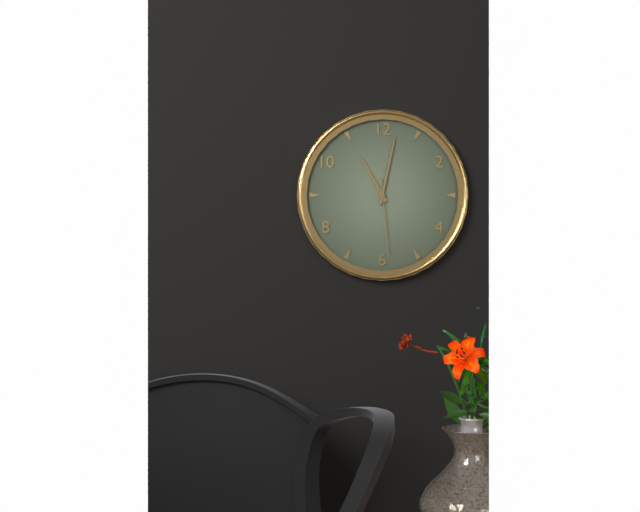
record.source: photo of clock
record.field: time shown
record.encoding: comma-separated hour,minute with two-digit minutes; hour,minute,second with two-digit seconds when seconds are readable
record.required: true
11,02,29
